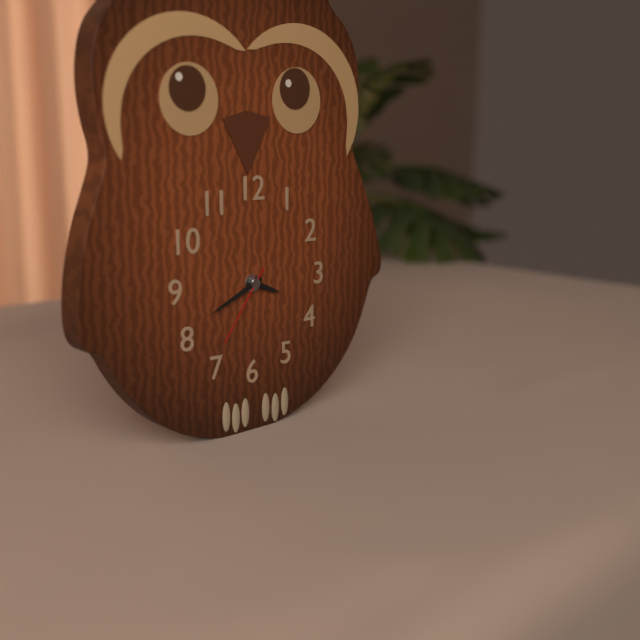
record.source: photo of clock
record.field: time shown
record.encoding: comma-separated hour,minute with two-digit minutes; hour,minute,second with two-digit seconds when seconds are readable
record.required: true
3,41,36
